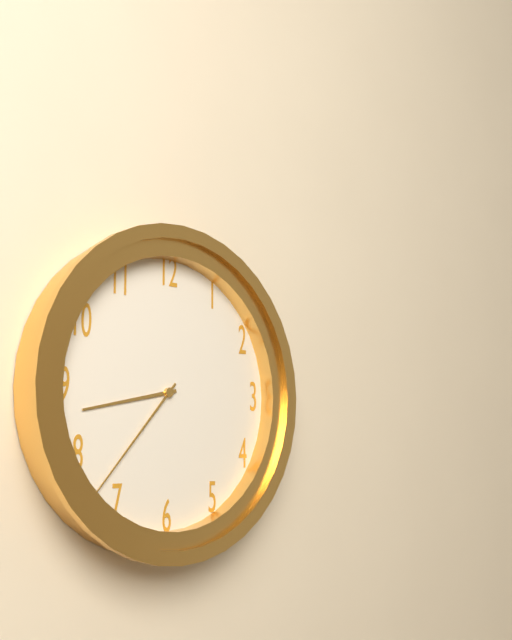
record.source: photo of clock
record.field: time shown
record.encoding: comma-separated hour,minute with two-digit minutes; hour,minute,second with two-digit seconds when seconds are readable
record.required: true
8,37
